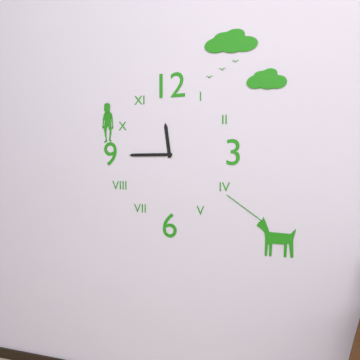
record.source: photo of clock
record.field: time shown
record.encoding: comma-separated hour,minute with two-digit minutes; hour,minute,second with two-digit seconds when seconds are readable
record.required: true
11,45
